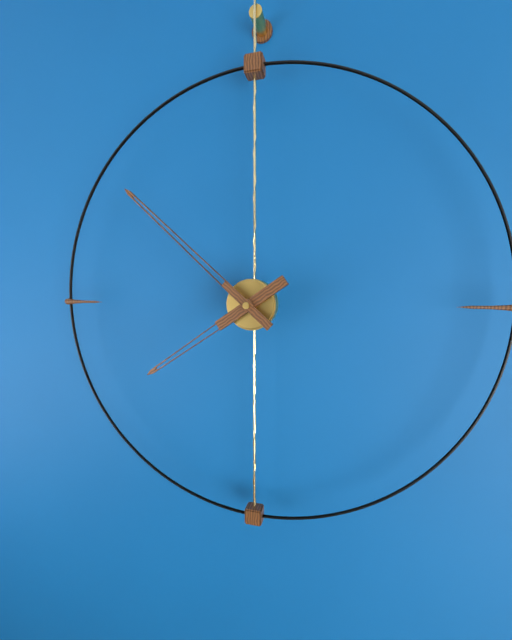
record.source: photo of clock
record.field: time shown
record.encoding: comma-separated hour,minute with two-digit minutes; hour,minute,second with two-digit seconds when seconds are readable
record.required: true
7,52
